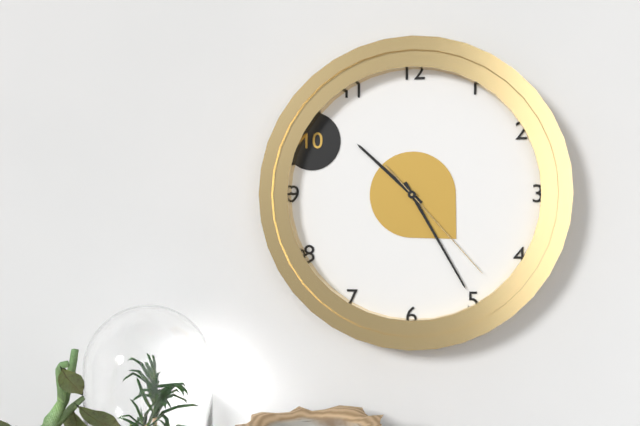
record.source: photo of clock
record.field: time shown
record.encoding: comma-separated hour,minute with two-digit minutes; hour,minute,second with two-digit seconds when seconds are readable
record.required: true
10,25,23
